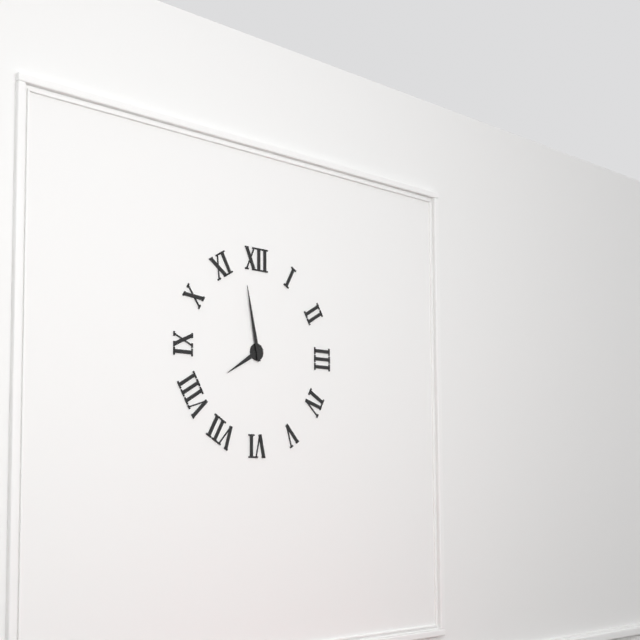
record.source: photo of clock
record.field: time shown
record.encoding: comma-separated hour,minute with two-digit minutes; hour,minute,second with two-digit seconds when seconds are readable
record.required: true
7,58
